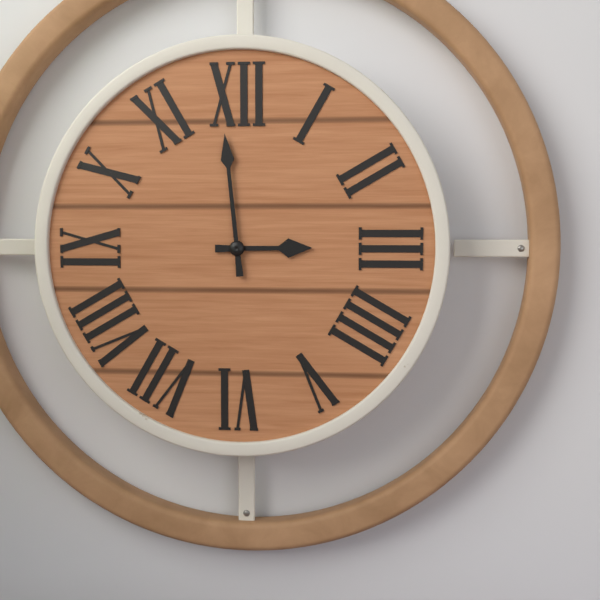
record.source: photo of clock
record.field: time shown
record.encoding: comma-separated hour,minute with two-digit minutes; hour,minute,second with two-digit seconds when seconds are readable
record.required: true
2,59
